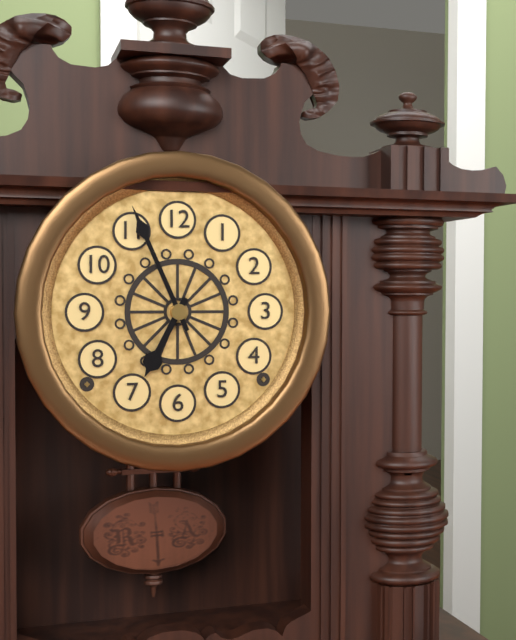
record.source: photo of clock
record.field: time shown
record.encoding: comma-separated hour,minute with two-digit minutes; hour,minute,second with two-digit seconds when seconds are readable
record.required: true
6,56
